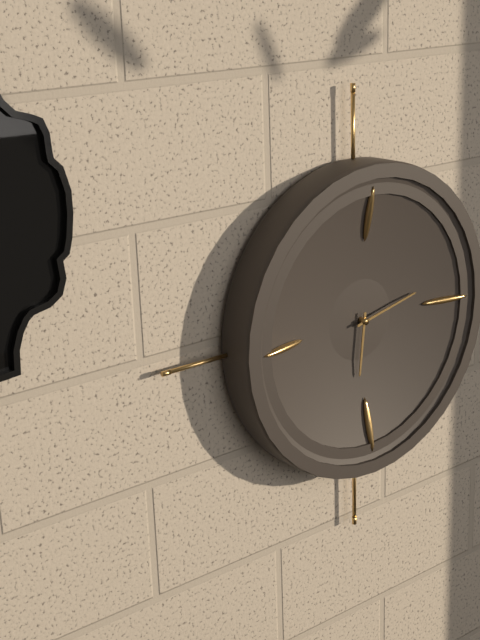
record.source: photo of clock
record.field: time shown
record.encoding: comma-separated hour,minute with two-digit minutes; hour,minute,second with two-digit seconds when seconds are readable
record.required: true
6,13
